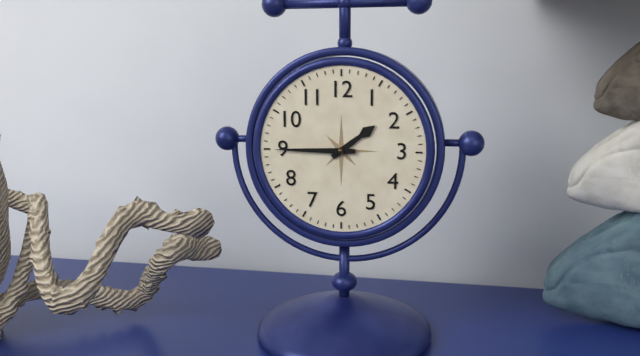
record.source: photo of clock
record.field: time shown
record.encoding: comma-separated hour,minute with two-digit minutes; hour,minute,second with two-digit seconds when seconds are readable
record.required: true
1,45
